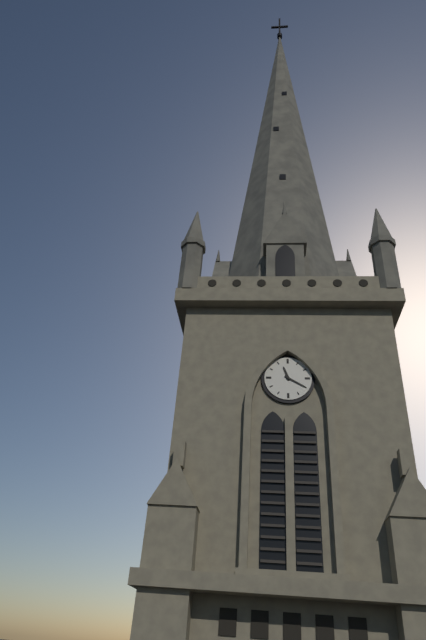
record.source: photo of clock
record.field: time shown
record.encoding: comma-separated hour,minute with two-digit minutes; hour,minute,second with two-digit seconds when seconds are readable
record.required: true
11,20
